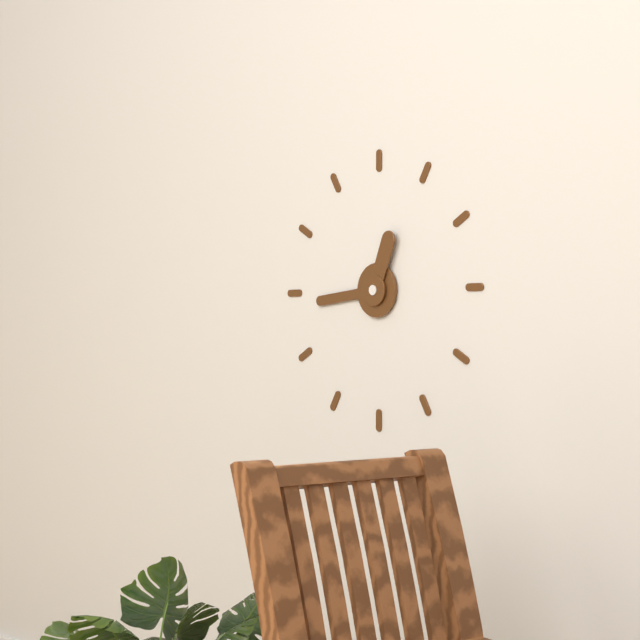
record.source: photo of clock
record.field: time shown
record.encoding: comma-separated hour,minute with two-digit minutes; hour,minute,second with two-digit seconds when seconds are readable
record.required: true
12,44
